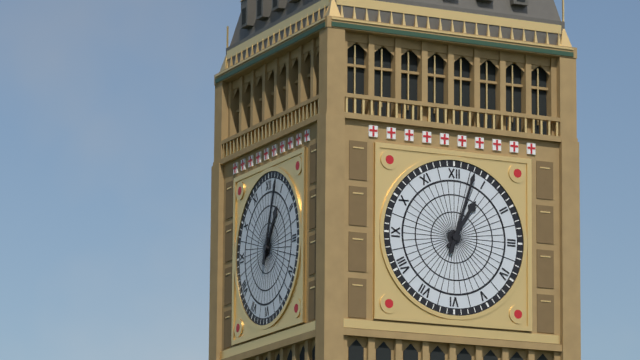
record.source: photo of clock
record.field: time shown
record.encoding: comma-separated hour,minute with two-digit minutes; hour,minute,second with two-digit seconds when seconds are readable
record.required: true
1,03
